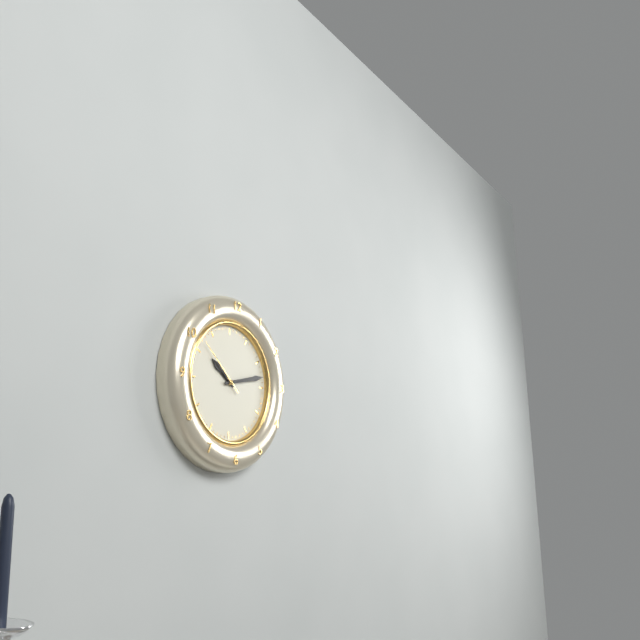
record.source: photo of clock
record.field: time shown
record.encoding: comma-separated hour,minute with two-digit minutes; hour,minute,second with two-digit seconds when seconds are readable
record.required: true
10,13,52
